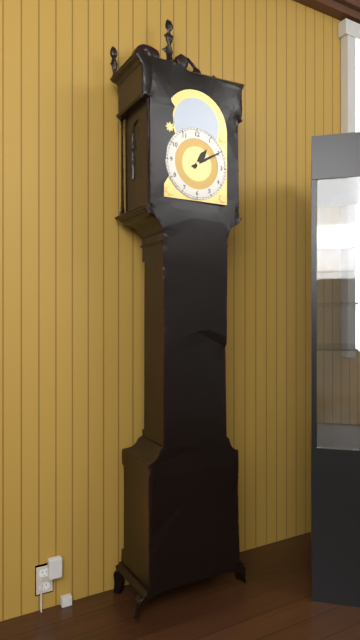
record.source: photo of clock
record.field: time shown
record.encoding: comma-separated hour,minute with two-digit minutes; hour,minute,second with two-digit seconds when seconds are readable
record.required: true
1,10
